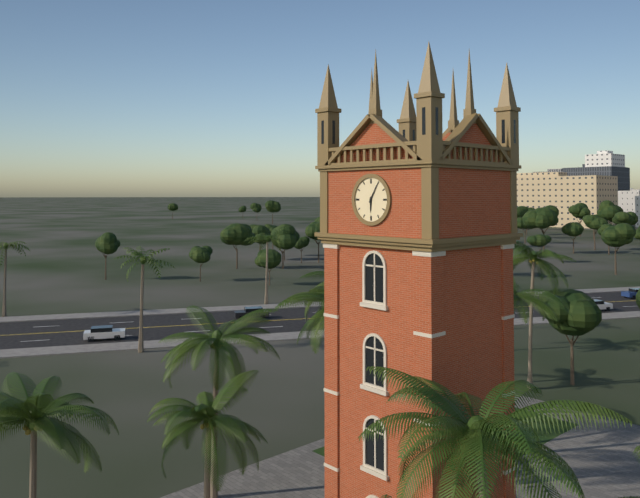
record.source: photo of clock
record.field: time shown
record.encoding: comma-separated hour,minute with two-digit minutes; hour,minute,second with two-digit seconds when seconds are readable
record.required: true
6,05
